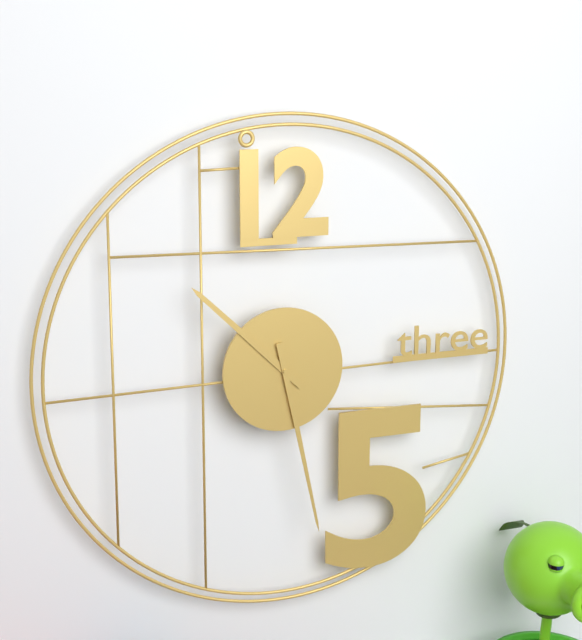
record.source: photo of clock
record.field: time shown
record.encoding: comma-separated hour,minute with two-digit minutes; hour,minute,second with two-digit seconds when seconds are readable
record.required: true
10,28
